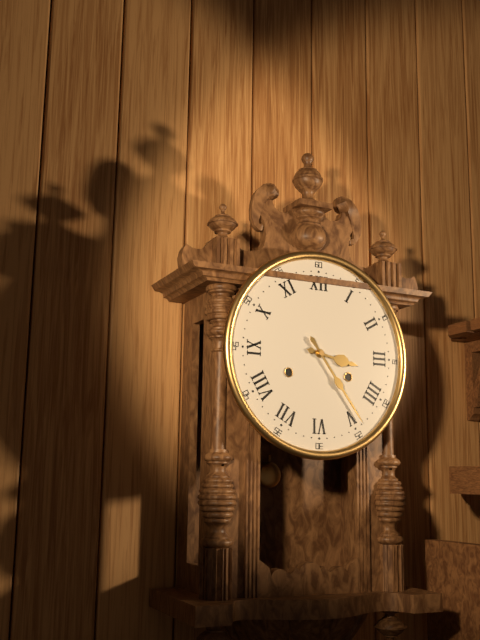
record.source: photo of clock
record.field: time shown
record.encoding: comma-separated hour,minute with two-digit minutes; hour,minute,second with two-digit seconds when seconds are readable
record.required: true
3,24
